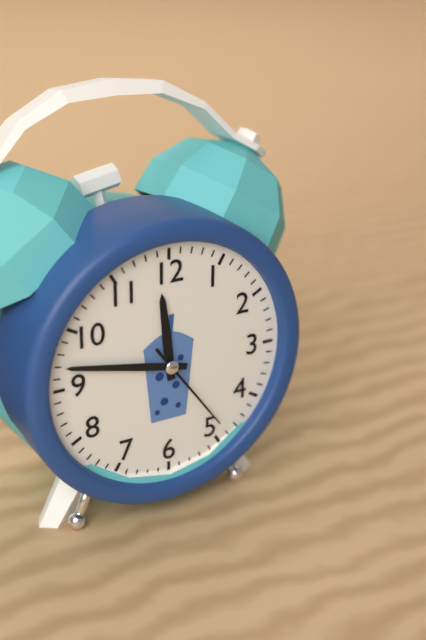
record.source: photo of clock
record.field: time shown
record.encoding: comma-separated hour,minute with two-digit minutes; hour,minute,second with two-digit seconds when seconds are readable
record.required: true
11,47,24
